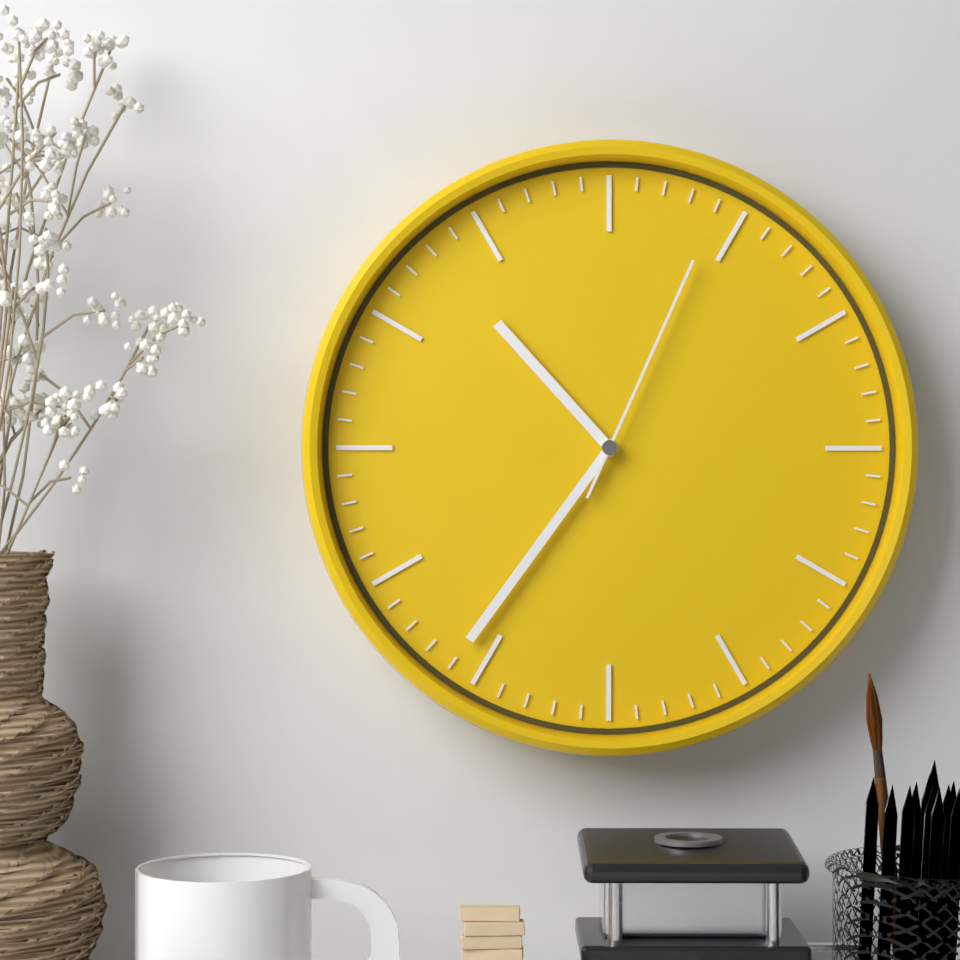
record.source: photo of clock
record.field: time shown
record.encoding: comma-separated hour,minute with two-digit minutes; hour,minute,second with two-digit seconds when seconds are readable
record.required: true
10,36,04
